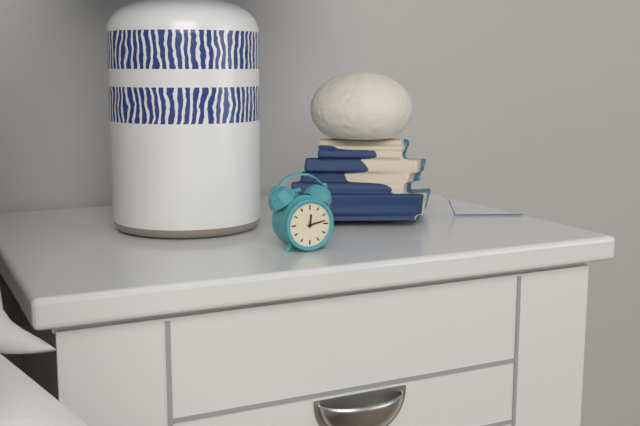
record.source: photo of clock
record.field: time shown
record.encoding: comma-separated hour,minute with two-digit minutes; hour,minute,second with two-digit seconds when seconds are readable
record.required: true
12,13
